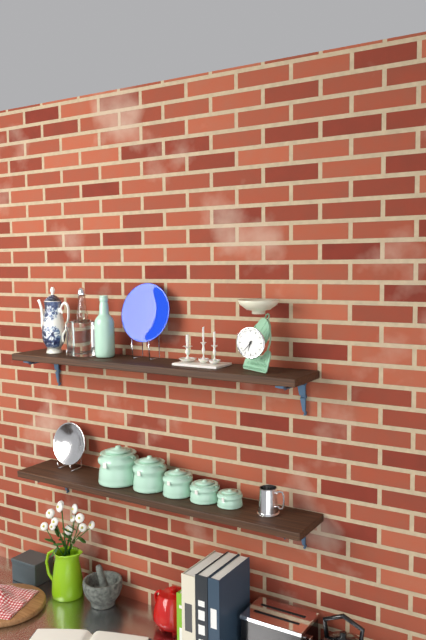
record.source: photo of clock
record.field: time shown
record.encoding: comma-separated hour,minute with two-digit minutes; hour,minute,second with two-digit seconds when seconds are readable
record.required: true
6,37
